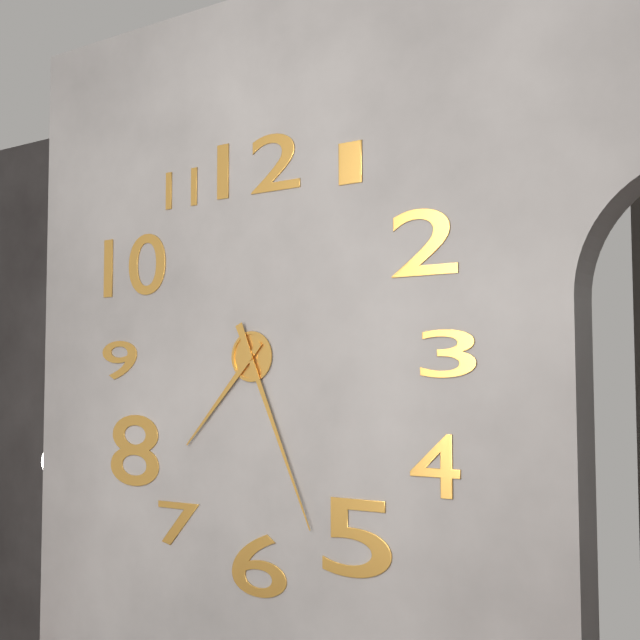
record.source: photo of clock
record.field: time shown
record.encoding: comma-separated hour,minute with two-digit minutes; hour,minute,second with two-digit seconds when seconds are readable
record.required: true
7,26
